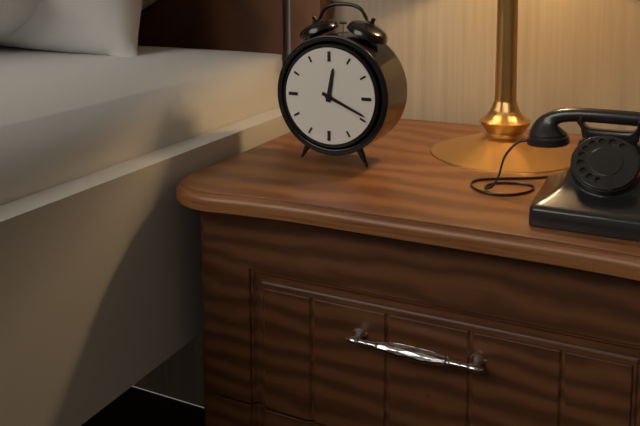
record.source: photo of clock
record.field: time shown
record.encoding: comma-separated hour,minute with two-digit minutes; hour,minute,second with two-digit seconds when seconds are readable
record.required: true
12,19
